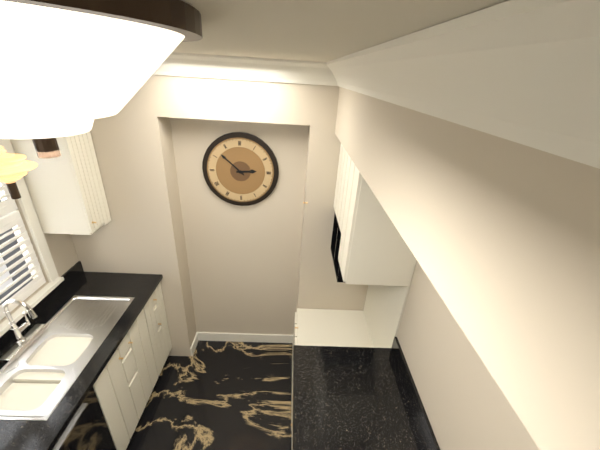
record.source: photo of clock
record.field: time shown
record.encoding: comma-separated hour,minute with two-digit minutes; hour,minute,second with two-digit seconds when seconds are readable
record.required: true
2,52
